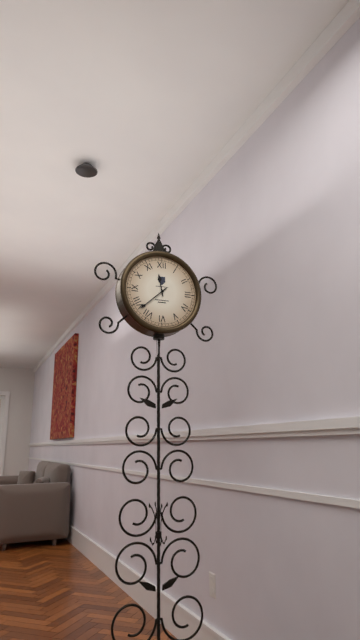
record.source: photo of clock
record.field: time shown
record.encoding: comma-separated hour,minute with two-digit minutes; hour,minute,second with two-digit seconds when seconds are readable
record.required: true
11,38
